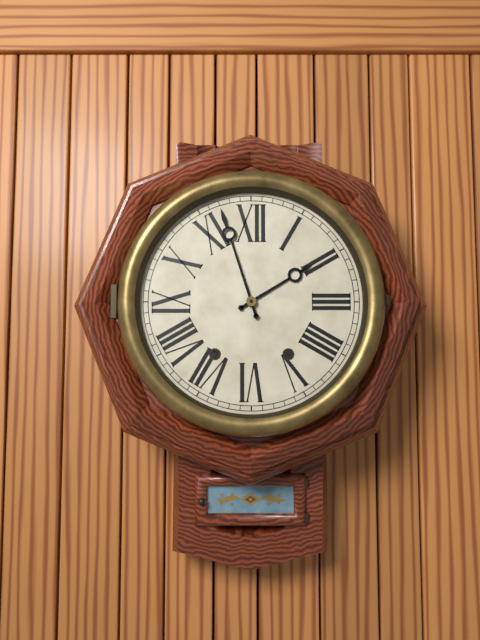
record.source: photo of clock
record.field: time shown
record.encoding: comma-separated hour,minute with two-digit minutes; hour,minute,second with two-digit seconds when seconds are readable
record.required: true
1,57
